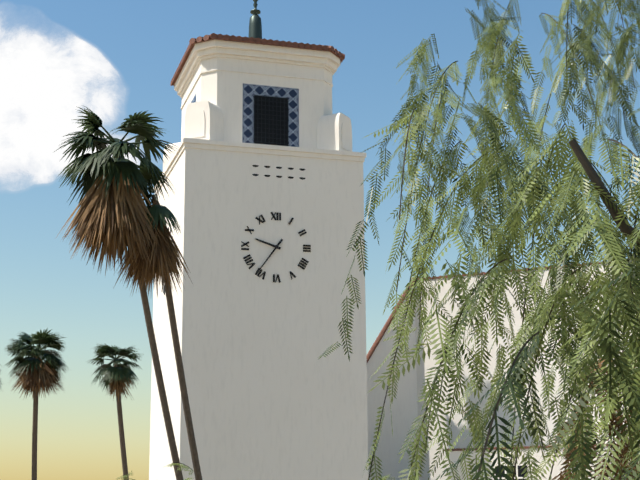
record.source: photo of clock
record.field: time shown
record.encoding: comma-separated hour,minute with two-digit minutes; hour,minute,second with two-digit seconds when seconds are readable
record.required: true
9,36
